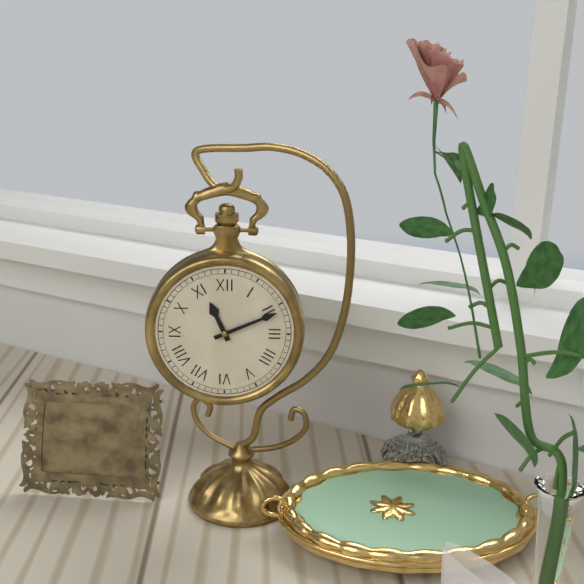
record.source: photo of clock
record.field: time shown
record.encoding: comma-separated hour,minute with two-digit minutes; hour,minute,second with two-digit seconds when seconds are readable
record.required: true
11,11
